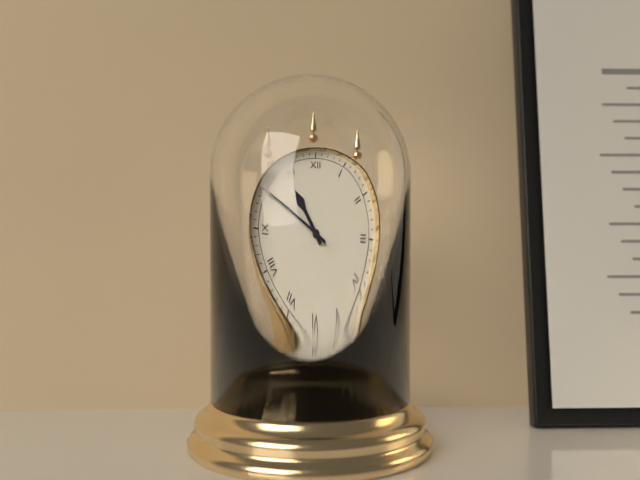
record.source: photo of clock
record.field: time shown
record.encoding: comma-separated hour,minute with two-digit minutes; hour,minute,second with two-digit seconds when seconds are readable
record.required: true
10,50
